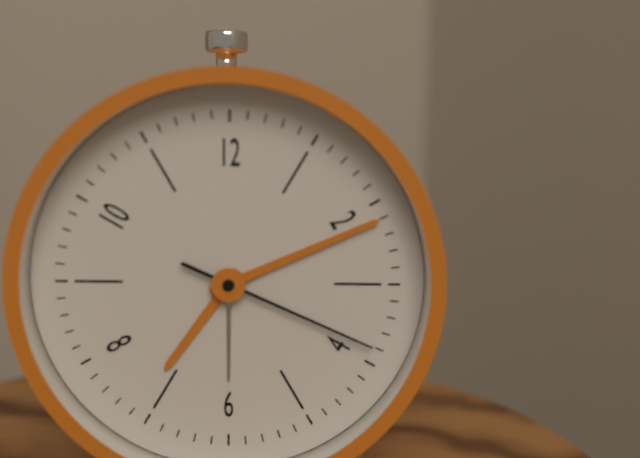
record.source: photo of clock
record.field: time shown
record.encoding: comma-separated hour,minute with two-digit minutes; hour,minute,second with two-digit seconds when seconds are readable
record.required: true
7,11,19
